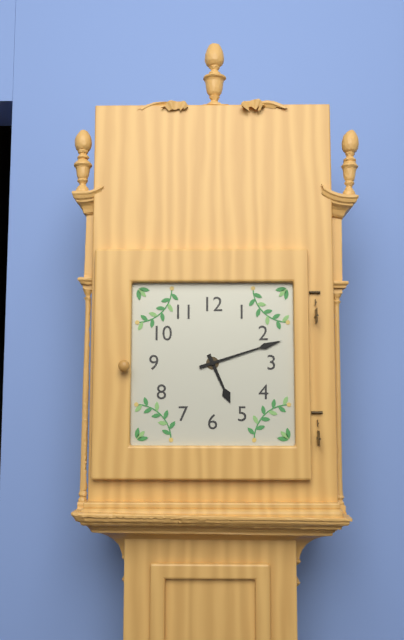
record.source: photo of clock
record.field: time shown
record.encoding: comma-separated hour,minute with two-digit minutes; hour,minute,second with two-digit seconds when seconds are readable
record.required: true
5,12
